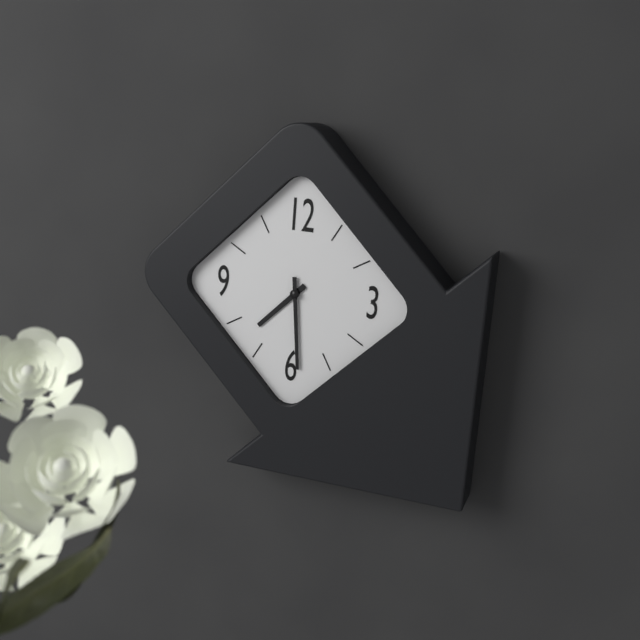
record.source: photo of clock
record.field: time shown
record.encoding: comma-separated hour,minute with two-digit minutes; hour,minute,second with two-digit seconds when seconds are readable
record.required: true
7,29
